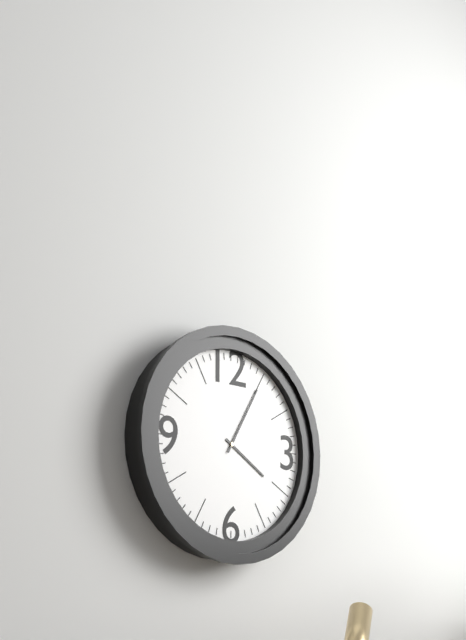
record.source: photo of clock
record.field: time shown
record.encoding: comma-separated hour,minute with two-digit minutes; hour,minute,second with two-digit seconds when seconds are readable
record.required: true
4,05
